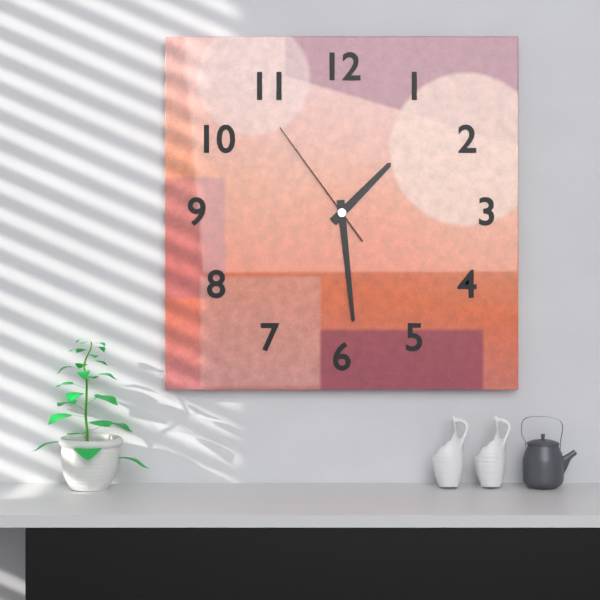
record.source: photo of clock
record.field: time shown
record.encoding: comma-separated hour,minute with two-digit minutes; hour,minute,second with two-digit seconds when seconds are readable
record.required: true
1,29,54
